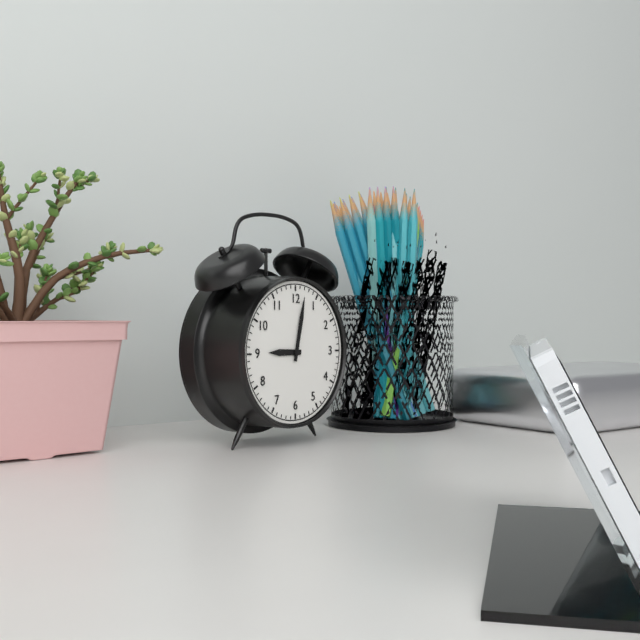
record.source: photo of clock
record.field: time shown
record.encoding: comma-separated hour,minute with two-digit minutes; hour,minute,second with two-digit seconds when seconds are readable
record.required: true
9,02
